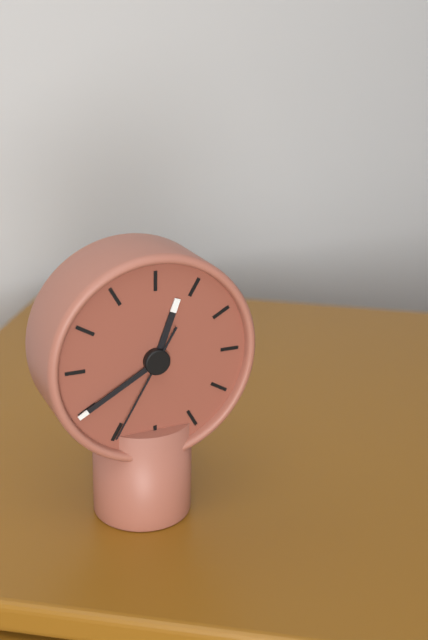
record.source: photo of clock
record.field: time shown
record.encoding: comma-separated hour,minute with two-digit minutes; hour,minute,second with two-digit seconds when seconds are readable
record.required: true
12,40,35
